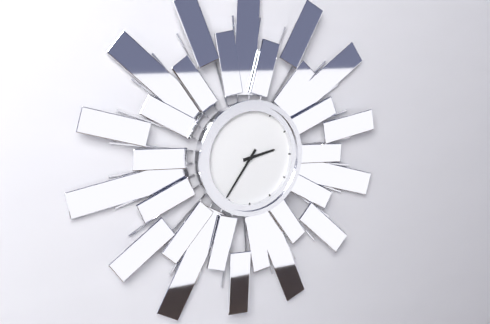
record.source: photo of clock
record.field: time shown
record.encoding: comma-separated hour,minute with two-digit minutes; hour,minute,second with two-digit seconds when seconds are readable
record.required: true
2,36
